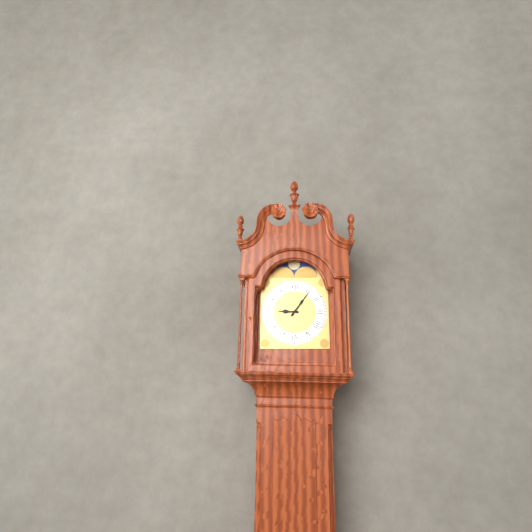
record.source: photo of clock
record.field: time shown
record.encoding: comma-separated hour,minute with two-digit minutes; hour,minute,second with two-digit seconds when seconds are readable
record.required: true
9,06
